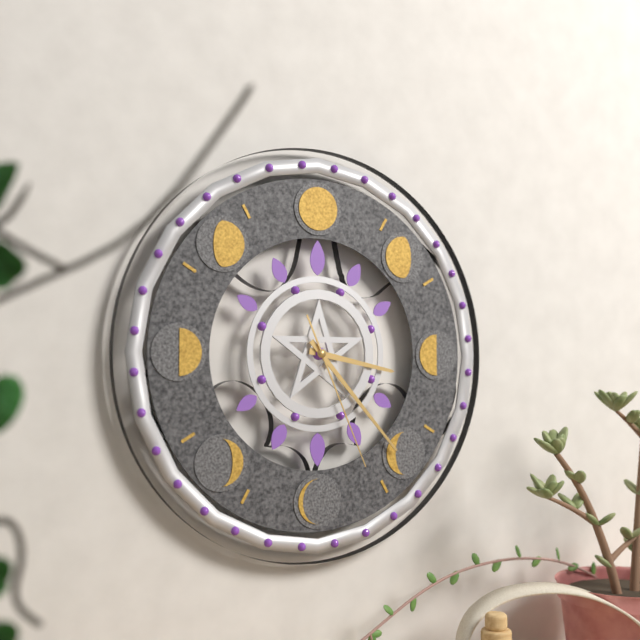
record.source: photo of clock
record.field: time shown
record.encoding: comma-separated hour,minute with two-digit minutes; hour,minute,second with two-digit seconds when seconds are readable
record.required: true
3,23,26
